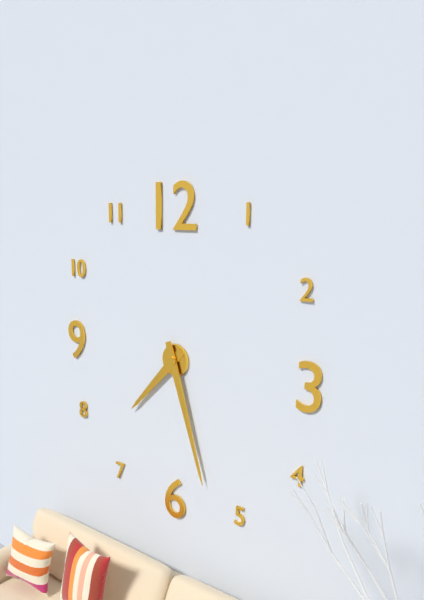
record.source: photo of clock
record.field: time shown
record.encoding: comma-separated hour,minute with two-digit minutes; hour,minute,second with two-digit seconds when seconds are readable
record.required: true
7,27
